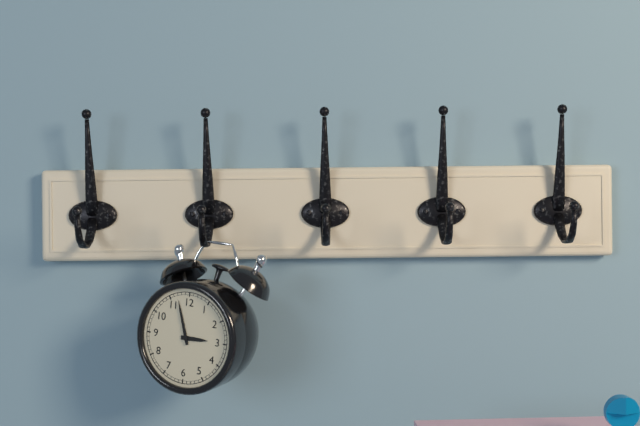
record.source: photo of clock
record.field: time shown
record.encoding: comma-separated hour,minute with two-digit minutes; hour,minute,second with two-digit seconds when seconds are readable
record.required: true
2,57
